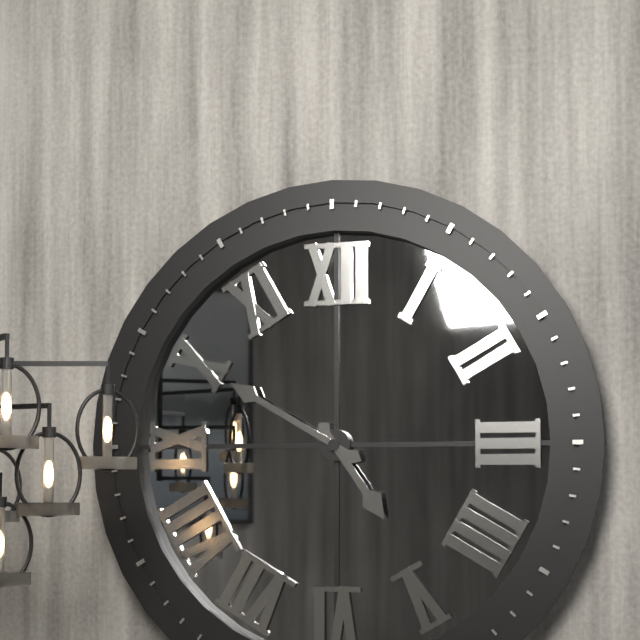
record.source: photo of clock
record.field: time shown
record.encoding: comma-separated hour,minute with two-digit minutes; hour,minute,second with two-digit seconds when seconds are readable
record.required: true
4,50
